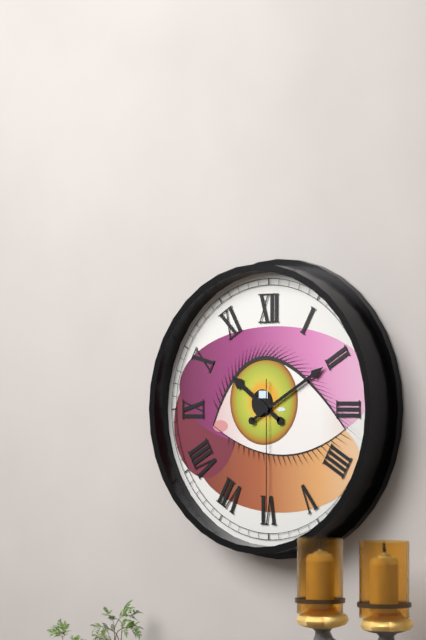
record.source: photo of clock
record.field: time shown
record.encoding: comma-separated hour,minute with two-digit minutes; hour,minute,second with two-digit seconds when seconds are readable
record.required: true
10,10,30
